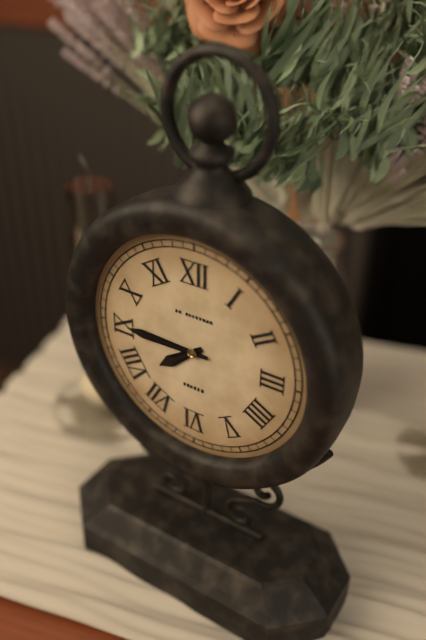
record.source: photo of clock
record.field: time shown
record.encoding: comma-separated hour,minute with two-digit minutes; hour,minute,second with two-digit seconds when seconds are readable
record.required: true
7,45
